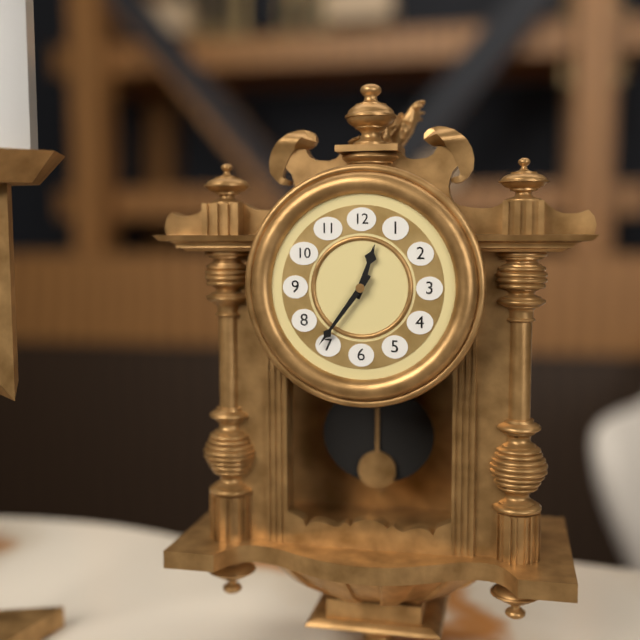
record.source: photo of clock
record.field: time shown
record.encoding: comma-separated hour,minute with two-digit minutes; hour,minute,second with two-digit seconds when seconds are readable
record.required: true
12,36
